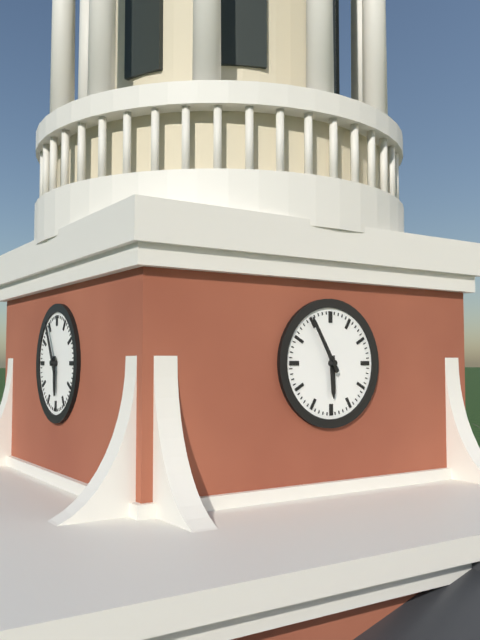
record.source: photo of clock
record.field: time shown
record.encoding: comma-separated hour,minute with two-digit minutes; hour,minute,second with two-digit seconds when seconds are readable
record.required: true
5,55
